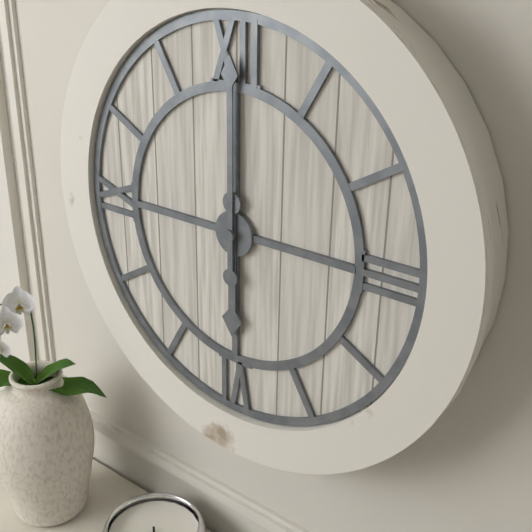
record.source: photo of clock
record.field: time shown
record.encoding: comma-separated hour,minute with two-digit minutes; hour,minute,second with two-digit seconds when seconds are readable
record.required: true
6,00
